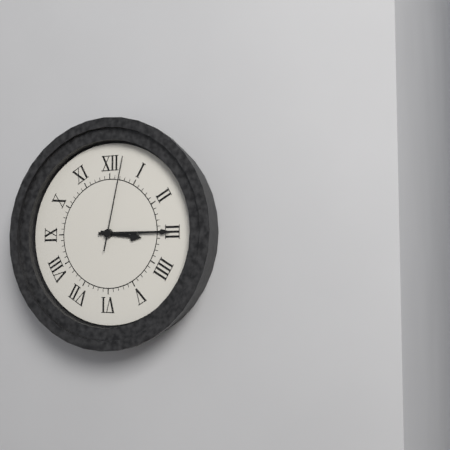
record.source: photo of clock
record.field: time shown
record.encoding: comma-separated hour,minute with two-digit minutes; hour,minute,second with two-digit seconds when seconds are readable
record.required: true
3,15,02
